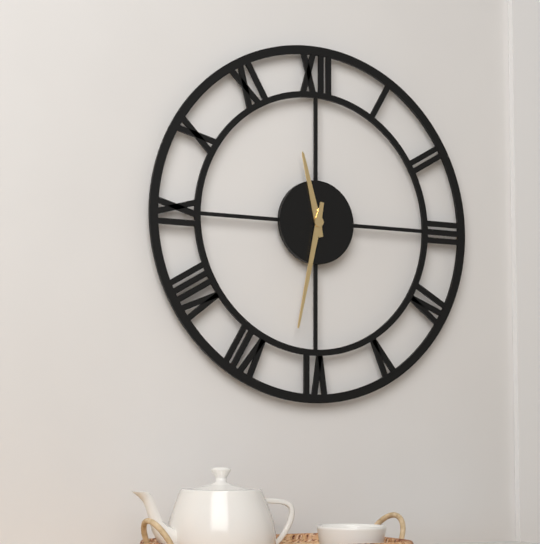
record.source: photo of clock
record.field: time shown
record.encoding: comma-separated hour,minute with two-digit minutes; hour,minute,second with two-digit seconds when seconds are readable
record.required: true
11,32
